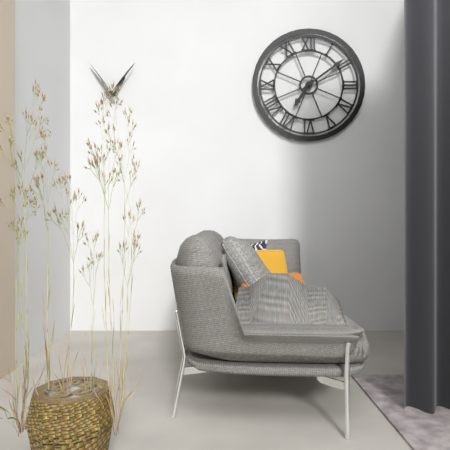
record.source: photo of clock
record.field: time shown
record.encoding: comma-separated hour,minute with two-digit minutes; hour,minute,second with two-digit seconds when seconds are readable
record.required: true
7,09
